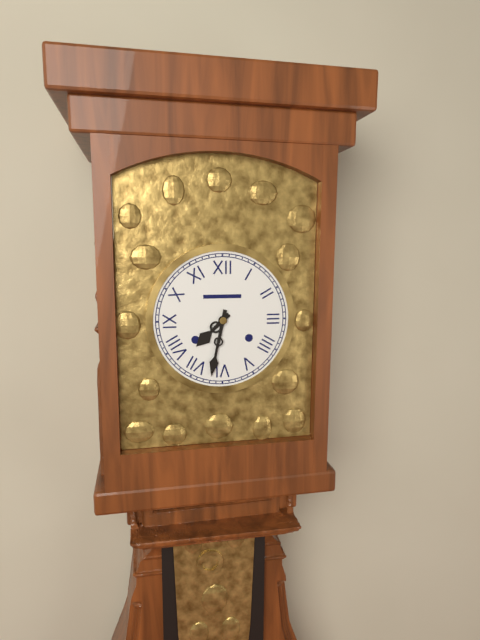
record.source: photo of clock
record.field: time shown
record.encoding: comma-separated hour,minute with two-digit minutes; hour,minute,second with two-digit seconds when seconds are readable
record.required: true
7,32
